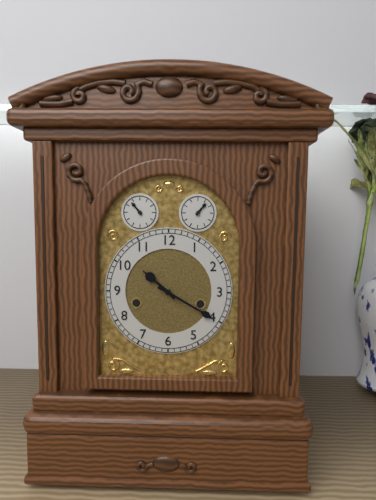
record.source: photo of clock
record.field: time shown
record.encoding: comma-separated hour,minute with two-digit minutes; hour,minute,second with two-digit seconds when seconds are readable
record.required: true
10,20
